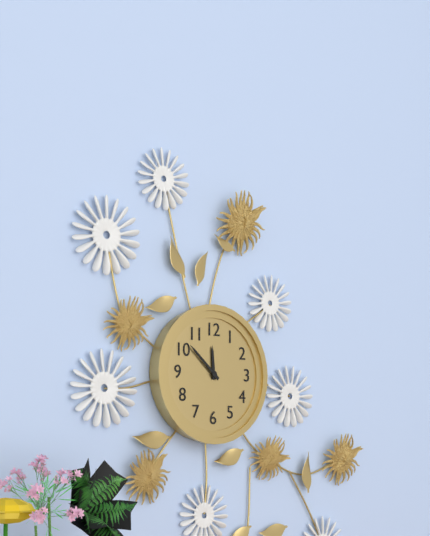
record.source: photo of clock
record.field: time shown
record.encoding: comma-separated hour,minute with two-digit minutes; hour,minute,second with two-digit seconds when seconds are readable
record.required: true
11,52
